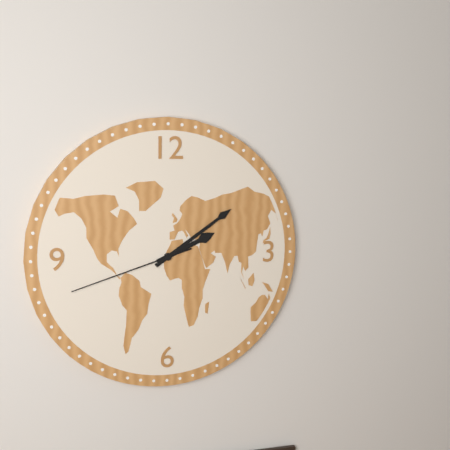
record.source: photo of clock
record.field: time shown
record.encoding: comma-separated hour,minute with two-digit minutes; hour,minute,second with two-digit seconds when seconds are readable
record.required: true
2,09,42
